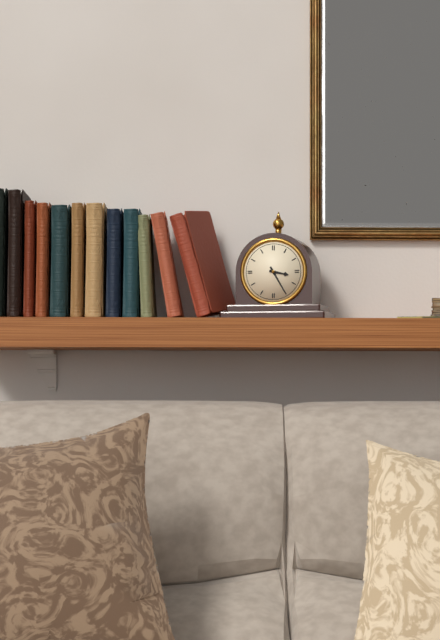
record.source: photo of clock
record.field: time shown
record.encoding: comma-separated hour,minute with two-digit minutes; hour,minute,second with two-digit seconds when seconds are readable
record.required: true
3,25
